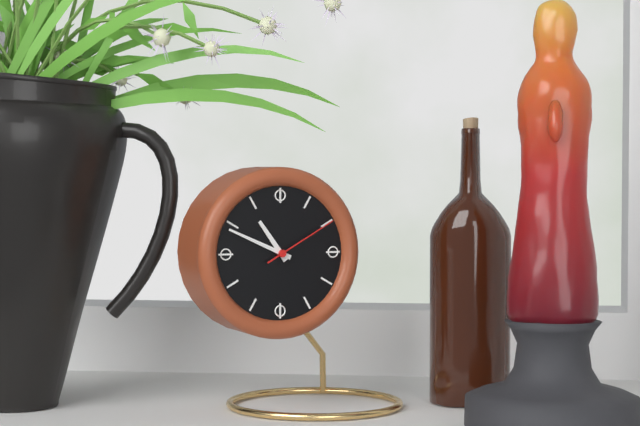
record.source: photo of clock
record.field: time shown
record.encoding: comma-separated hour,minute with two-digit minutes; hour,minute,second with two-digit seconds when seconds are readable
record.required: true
10,49,10
